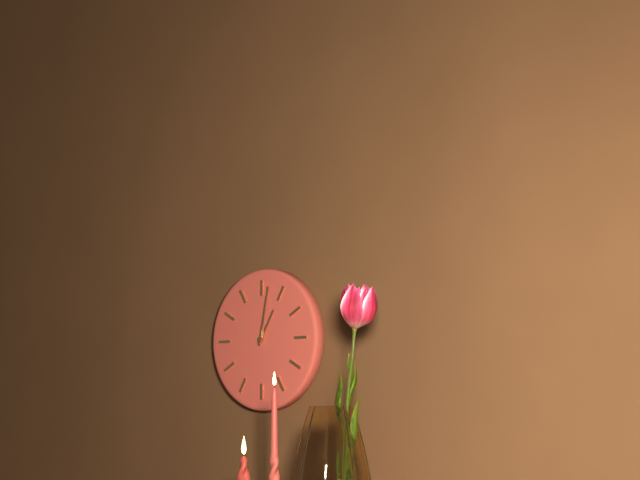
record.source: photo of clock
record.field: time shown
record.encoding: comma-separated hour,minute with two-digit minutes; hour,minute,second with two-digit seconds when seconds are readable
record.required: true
1,02
